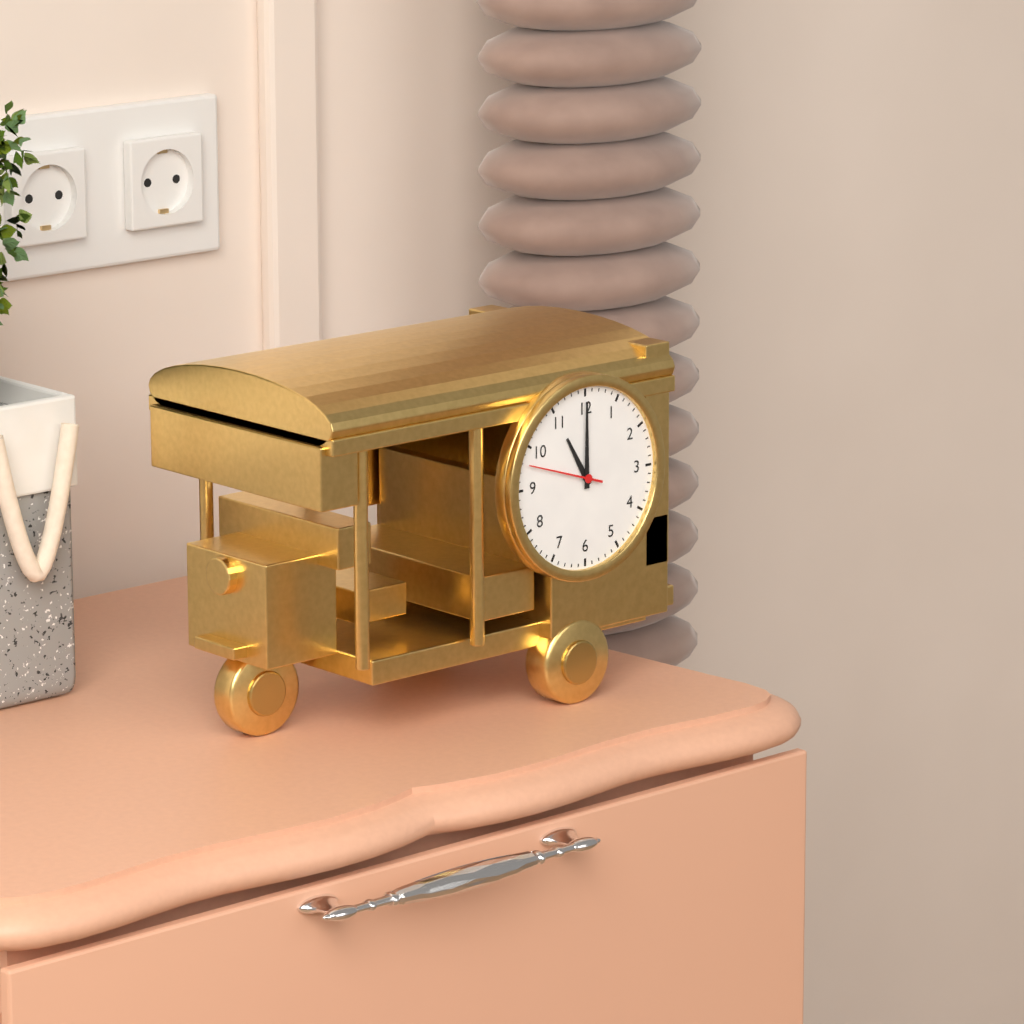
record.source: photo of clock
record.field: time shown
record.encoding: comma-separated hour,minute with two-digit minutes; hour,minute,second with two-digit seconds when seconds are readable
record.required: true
11,00,48
